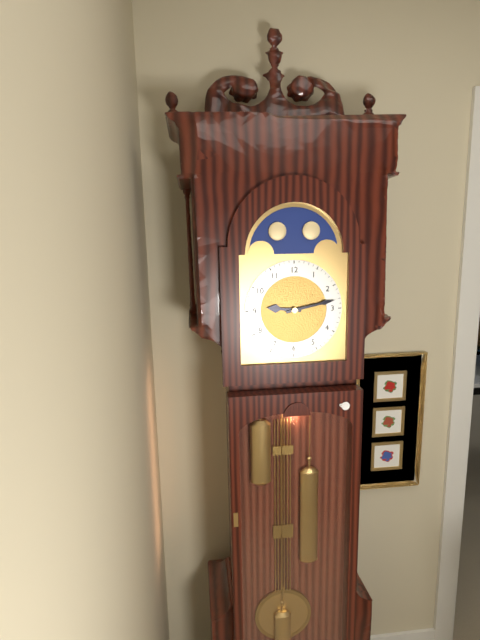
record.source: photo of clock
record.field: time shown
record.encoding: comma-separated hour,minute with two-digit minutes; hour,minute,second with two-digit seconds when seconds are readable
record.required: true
9,13
